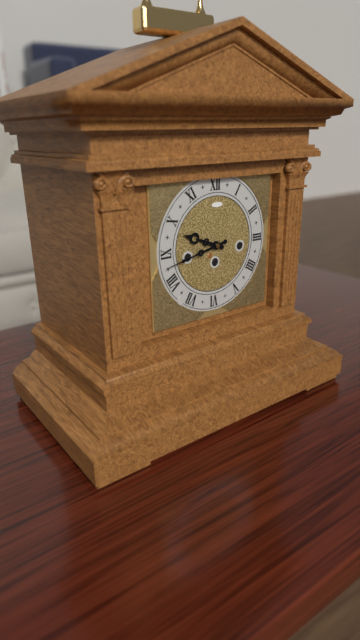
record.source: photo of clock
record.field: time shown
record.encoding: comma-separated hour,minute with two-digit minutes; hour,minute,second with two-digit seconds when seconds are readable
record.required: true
9,43
